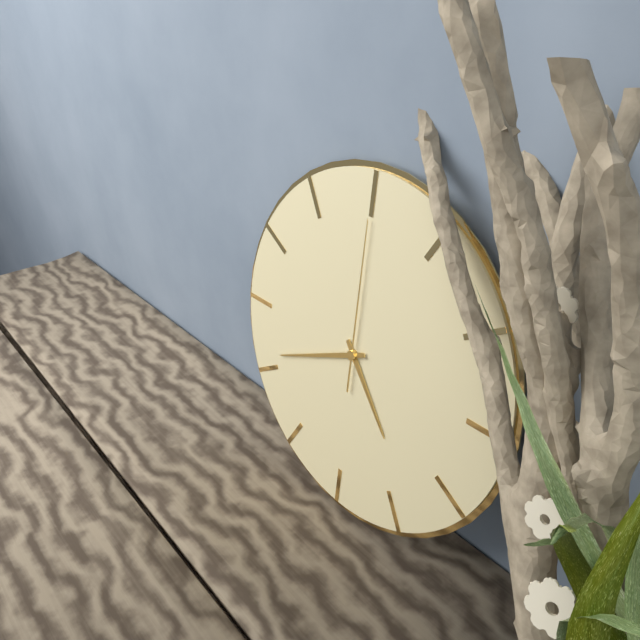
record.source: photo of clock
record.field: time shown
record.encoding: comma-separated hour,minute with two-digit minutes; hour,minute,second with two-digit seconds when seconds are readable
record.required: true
4,41,00
